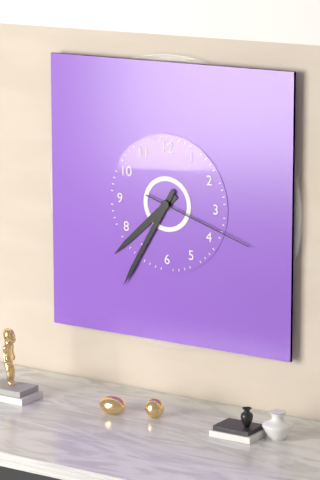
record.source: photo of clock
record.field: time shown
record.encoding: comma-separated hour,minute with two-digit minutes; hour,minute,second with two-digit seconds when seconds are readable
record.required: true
7,35,18
